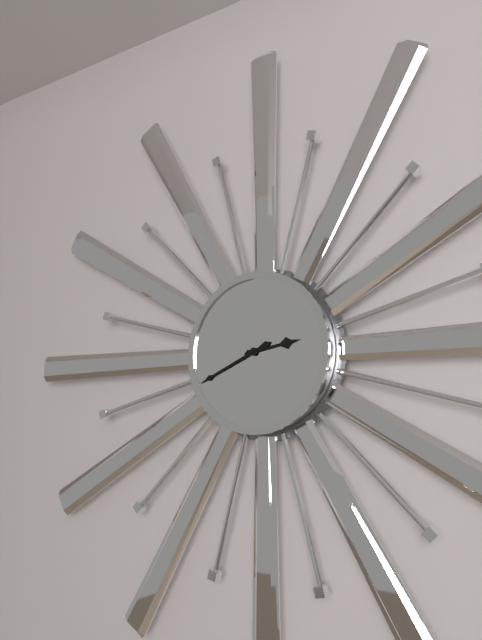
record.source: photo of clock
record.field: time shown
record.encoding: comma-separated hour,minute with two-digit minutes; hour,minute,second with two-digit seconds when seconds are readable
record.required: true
2,41
